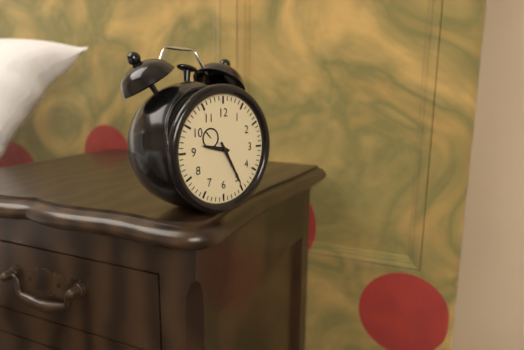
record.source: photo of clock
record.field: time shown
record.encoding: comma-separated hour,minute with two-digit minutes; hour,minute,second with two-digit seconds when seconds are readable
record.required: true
9,25
